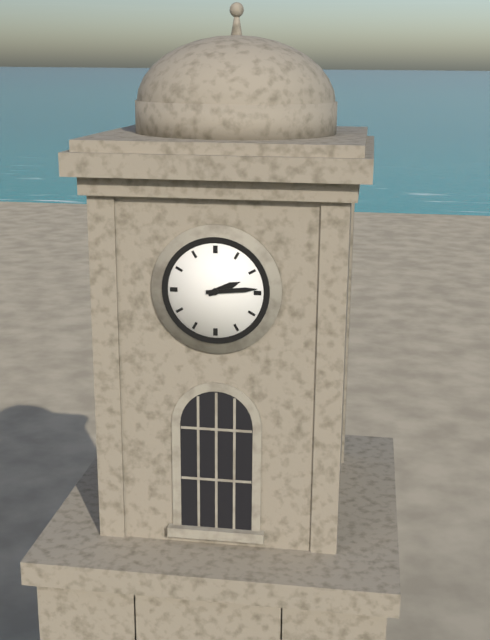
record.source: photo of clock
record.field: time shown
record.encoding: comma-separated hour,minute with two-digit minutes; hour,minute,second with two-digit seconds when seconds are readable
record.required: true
2,14
